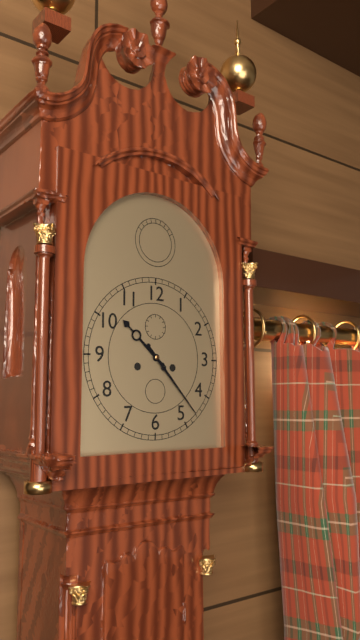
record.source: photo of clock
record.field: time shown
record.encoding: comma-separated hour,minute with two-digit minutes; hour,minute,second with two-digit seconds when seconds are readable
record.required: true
10,23
